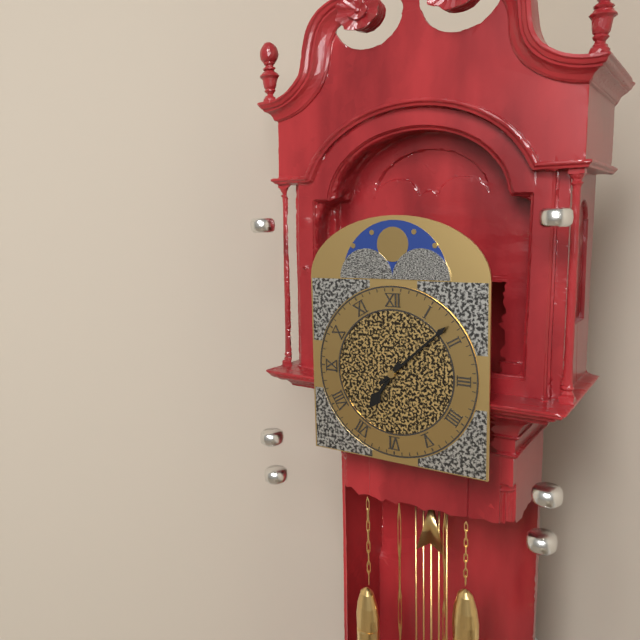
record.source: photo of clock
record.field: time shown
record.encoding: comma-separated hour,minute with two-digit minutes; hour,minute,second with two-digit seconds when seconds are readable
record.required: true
7,08
